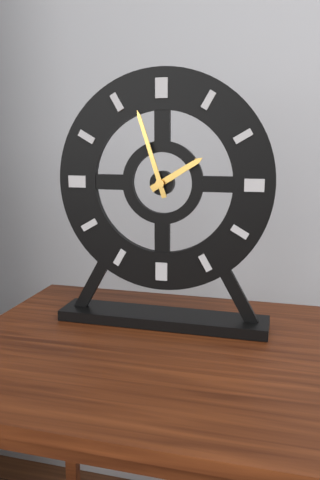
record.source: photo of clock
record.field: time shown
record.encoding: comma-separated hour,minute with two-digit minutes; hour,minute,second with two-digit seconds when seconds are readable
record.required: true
1,57
